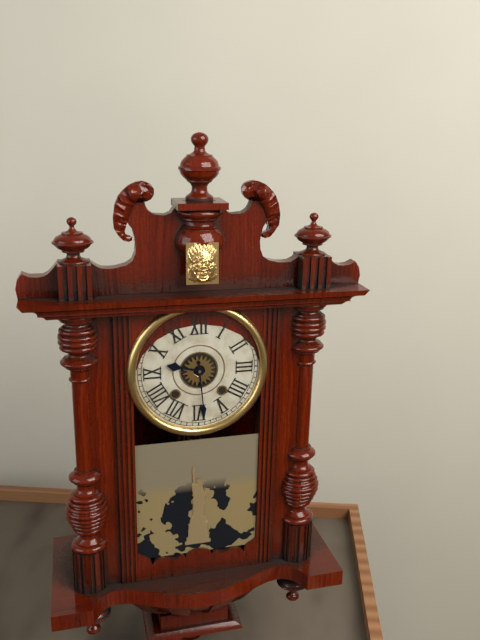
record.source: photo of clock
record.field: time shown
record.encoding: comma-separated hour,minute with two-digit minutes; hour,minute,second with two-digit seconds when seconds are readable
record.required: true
9,29
